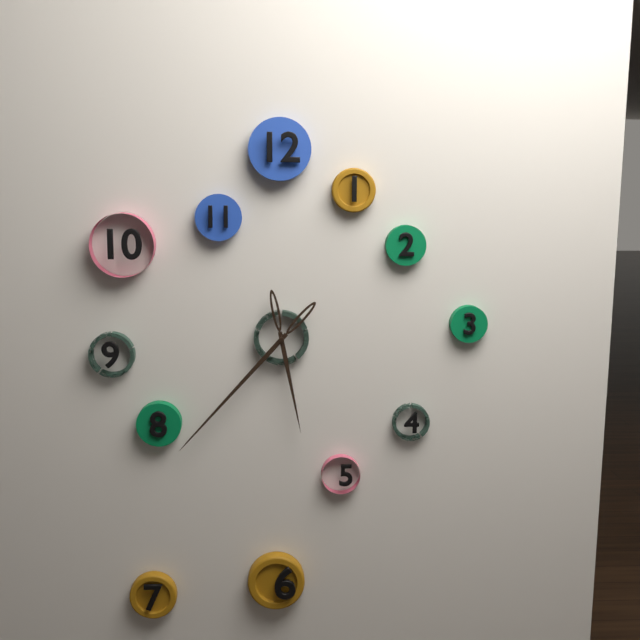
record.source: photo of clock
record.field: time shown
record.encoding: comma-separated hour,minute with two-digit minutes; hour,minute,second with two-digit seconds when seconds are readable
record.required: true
5,37
